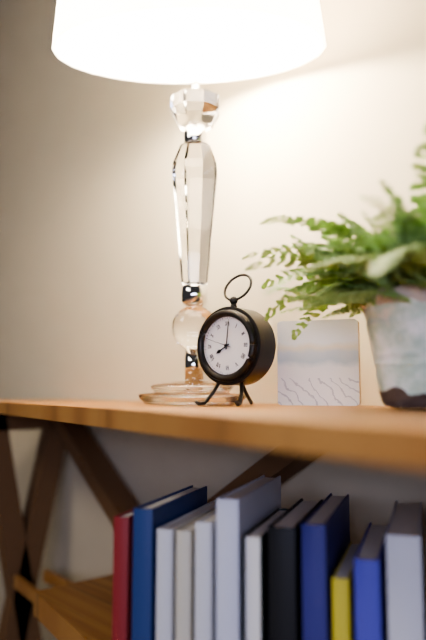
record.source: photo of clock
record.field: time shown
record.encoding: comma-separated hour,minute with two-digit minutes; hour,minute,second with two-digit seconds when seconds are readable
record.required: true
8,01
